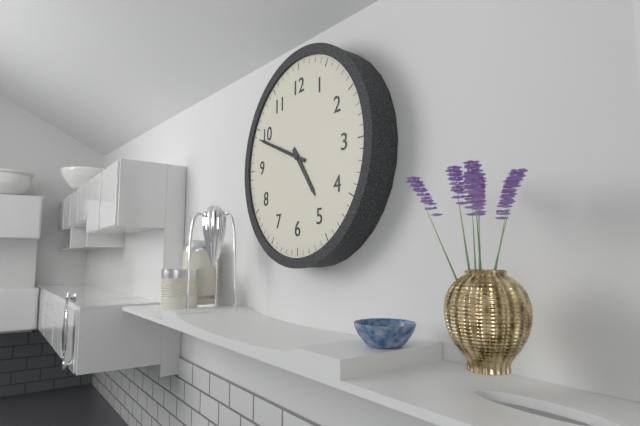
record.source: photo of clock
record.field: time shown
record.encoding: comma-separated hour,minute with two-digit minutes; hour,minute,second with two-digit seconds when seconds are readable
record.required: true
4,49
